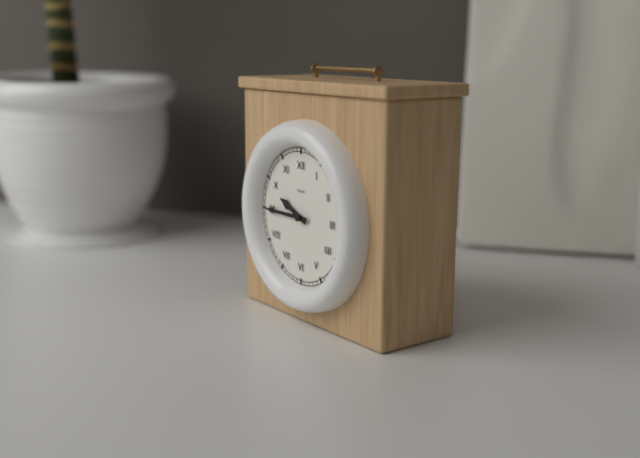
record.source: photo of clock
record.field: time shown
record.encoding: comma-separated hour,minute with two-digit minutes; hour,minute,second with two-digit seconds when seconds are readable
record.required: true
9,45
